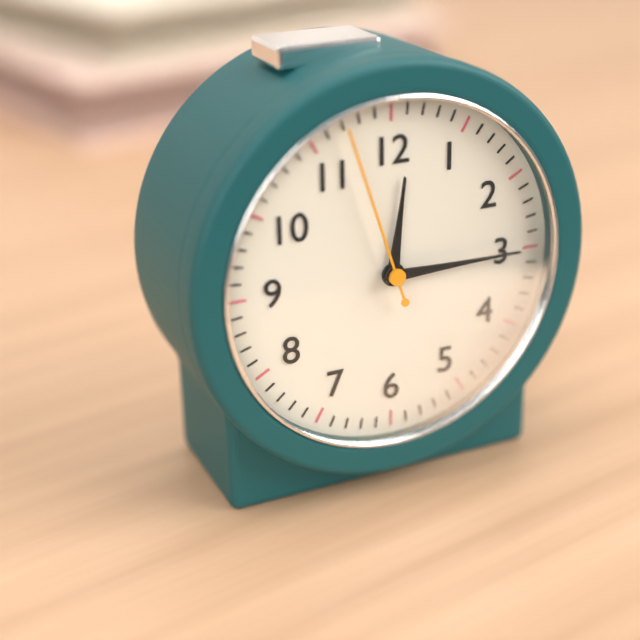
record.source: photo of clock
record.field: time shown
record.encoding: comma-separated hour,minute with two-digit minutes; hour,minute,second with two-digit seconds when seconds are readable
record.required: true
12,15,57
